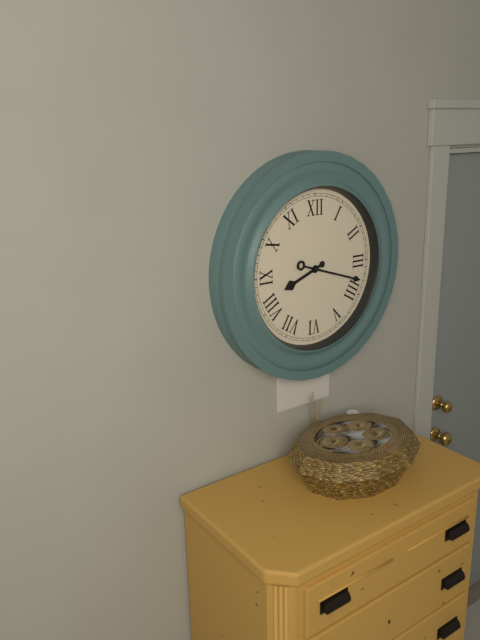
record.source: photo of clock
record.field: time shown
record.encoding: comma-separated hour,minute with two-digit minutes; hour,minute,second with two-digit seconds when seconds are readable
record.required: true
8,18
